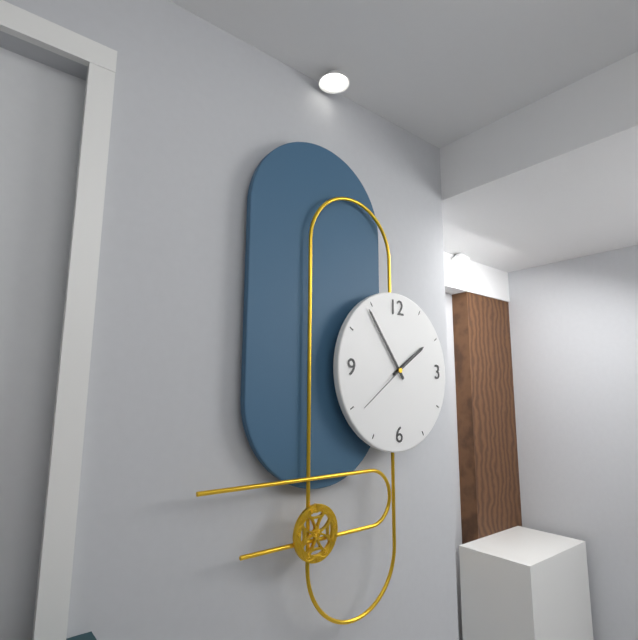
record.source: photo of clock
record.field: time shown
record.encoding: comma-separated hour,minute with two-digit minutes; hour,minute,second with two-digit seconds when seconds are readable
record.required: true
1,54
